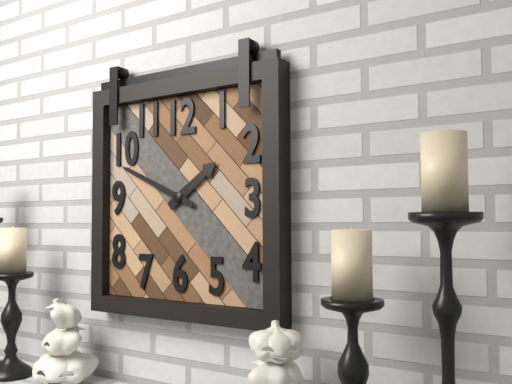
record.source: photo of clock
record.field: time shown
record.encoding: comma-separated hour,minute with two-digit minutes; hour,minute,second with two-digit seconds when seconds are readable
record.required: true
1,49
